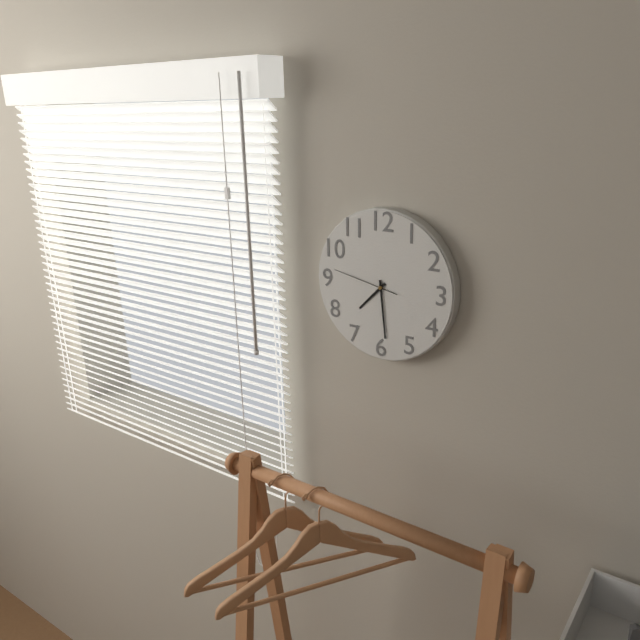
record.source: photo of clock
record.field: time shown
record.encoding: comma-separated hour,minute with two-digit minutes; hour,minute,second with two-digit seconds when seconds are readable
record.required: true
7,29,47
